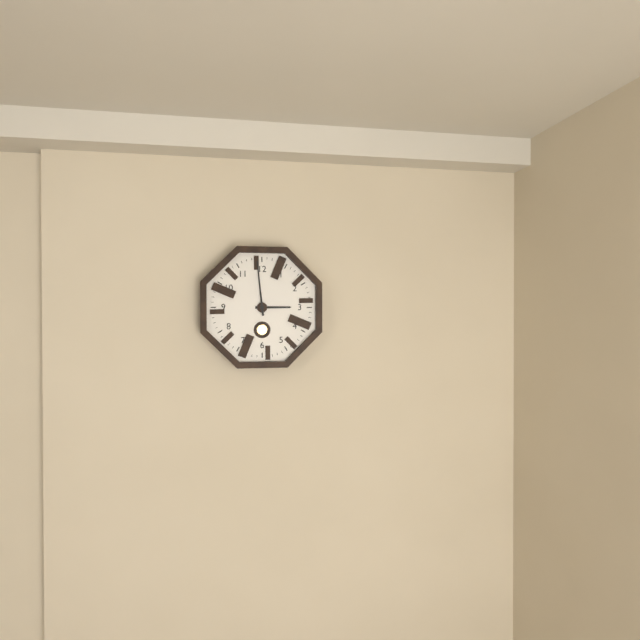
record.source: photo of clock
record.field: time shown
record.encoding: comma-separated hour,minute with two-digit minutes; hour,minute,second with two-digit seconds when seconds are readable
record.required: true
2,59
